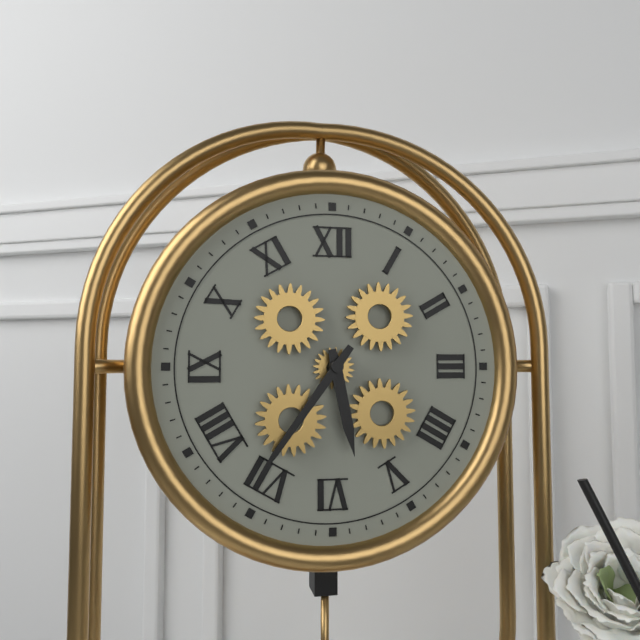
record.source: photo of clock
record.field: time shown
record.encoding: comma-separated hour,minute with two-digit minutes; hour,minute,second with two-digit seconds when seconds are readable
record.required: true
5,36
